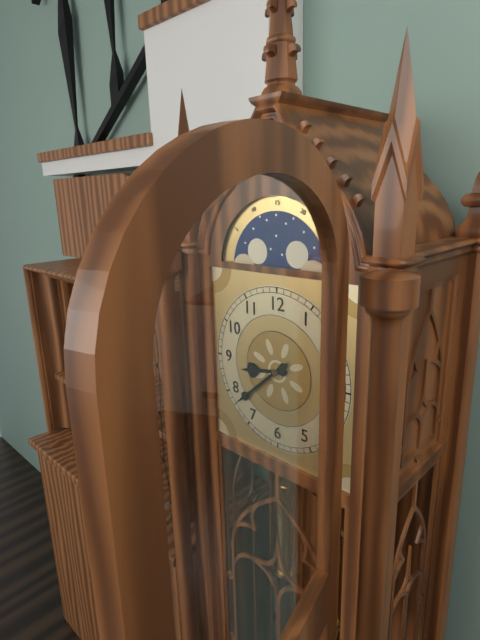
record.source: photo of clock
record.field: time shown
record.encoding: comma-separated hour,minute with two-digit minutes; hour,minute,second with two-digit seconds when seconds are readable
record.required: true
8,38
